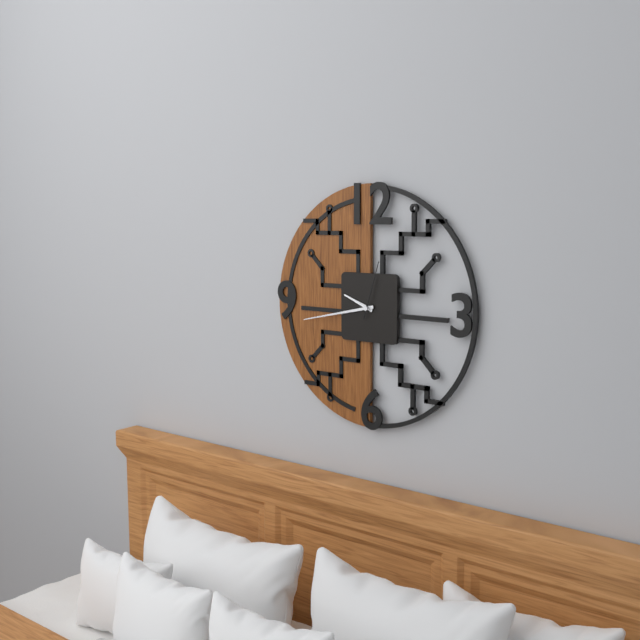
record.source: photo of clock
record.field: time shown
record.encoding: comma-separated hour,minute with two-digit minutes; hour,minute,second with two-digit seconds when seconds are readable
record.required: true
9,43,03
